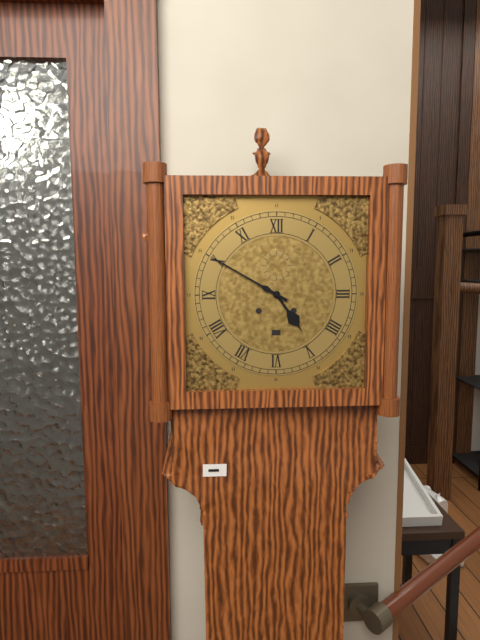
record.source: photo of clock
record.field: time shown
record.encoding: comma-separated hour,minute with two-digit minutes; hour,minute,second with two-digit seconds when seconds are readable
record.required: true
4,50
